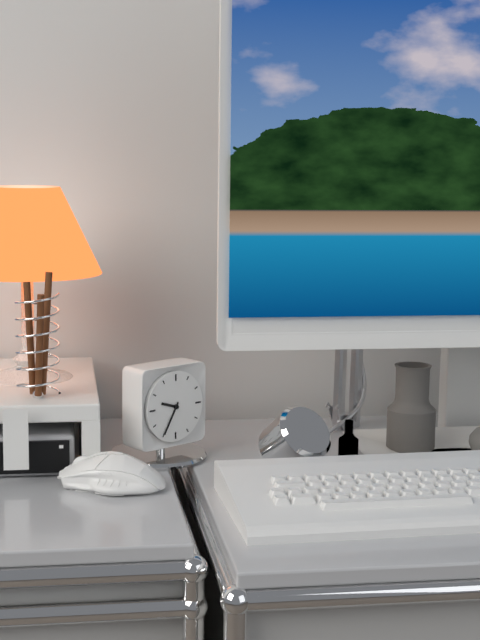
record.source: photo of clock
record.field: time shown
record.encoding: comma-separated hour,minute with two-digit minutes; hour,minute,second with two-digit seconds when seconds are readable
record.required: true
9,35
